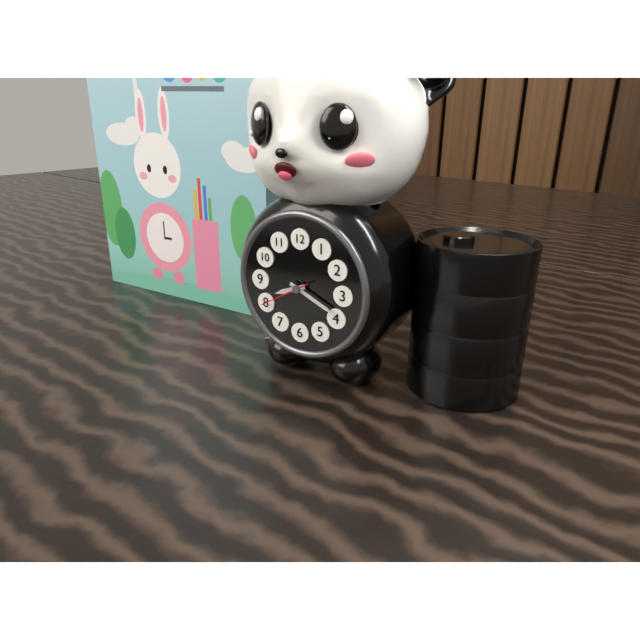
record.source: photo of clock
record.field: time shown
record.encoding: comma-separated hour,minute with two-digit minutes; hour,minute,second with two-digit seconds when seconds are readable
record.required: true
8,19
